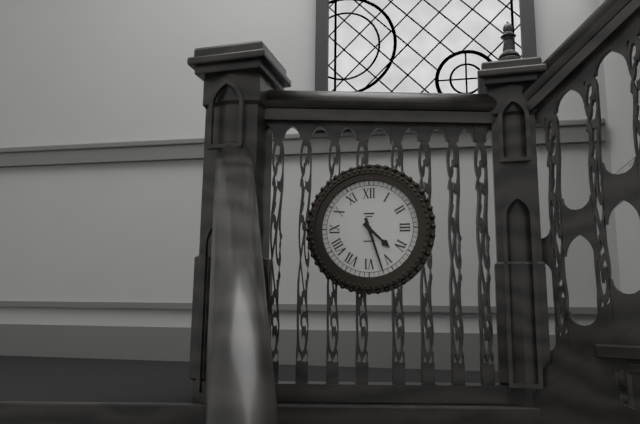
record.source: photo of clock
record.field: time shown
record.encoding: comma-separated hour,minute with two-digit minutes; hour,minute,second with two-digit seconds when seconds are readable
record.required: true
4,27
